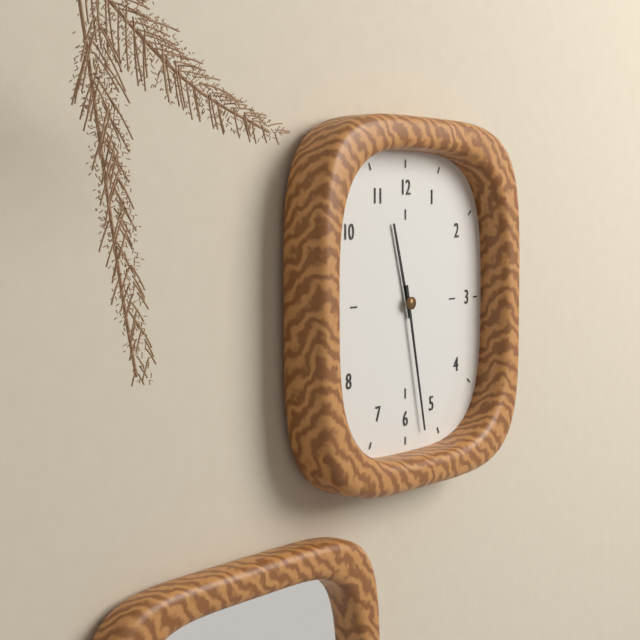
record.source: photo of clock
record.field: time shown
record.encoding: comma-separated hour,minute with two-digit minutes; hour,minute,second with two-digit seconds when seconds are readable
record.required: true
11,28
